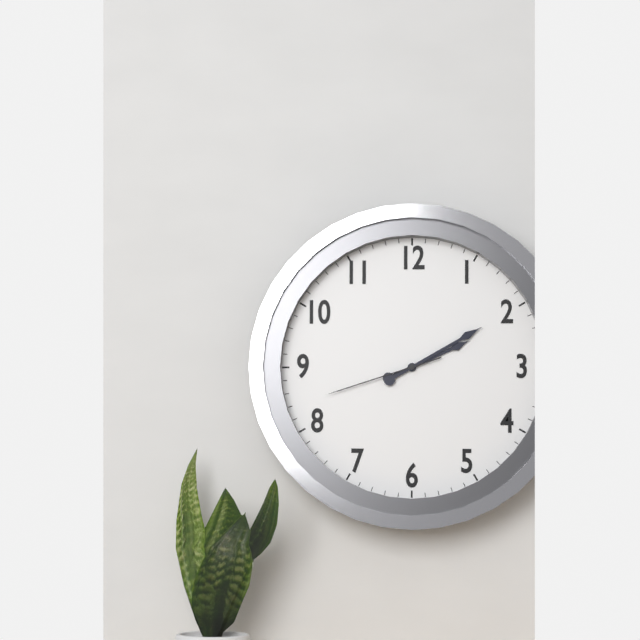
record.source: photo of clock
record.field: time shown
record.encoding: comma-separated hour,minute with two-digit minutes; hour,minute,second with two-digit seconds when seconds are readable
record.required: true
2,10,42
